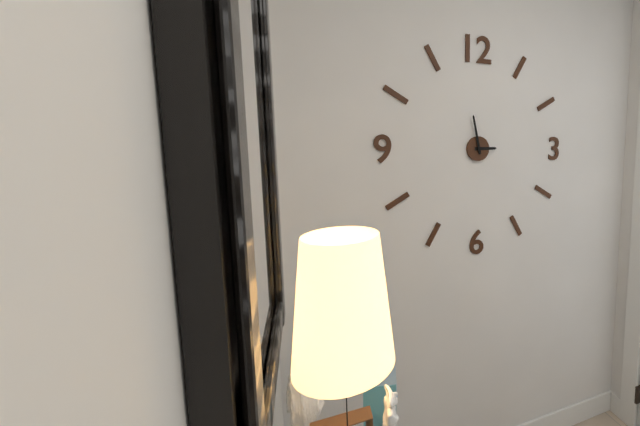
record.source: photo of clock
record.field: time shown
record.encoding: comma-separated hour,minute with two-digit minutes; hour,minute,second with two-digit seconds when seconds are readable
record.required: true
2,58
